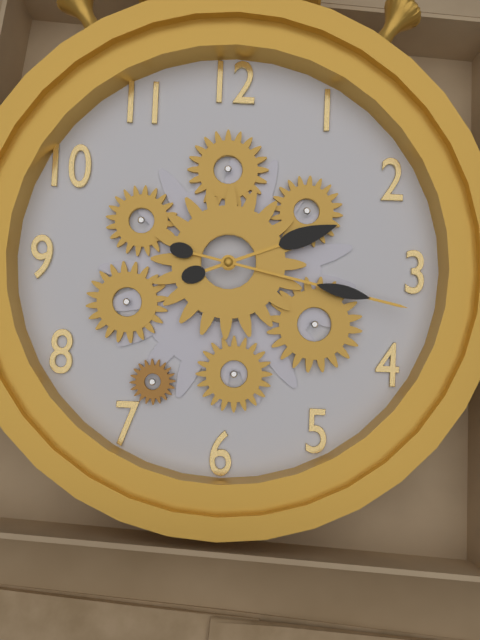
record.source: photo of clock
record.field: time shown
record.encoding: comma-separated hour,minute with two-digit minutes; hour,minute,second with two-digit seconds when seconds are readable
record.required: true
2,17
